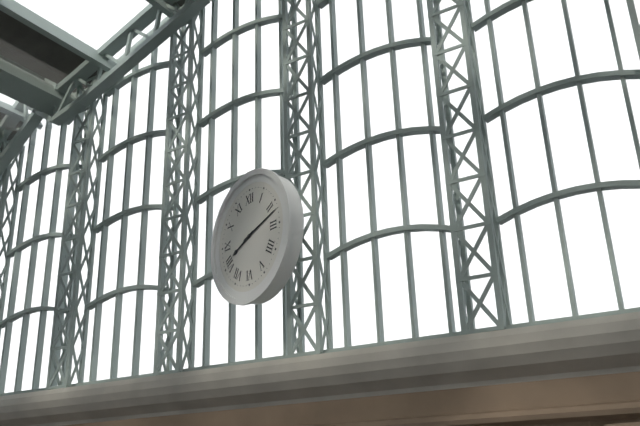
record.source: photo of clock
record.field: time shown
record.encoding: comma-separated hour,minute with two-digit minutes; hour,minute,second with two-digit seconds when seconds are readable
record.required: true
8,12
